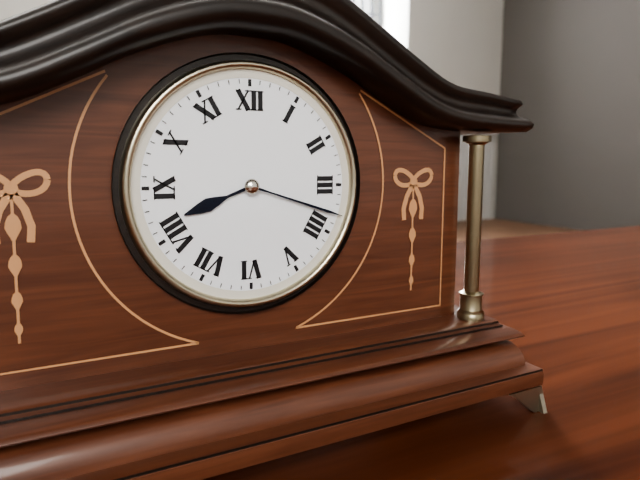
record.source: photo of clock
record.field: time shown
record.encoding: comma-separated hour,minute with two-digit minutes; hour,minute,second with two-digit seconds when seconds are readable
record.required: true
8,18
